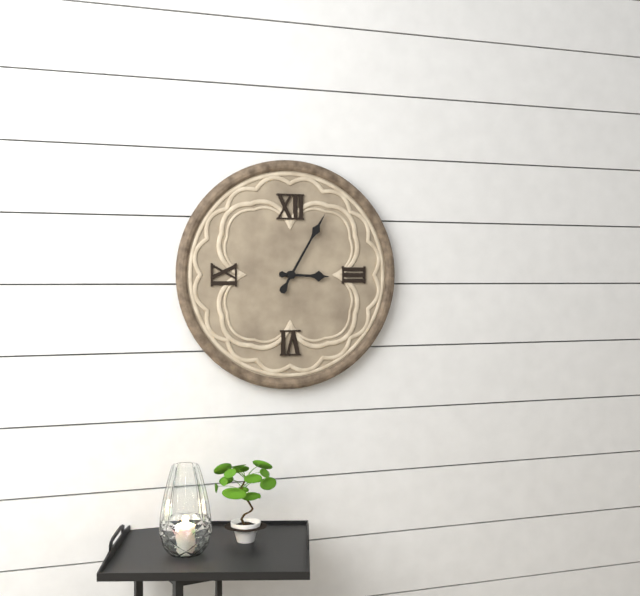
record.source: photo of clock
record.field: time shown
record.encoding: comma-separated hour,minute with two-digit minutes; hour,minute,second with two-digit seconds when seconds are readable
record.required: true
3,05
